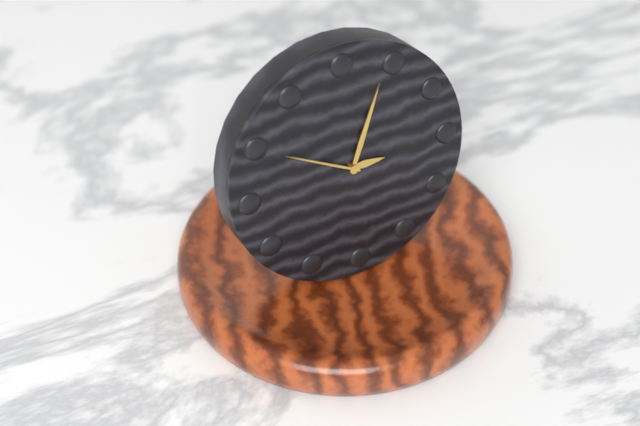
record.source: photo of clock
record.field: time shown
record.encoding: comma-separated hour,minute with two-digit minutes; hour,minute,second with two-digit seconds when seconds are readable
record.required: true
3,04,50
